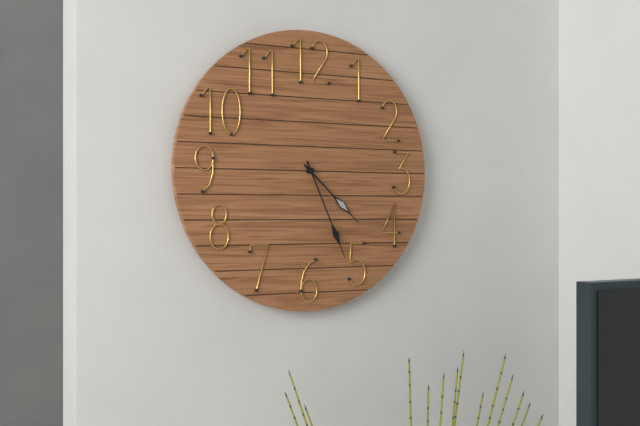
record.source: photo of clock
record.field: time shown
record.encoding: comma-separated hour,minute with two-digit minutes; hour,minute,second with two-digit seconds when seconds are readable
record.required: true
4,26
